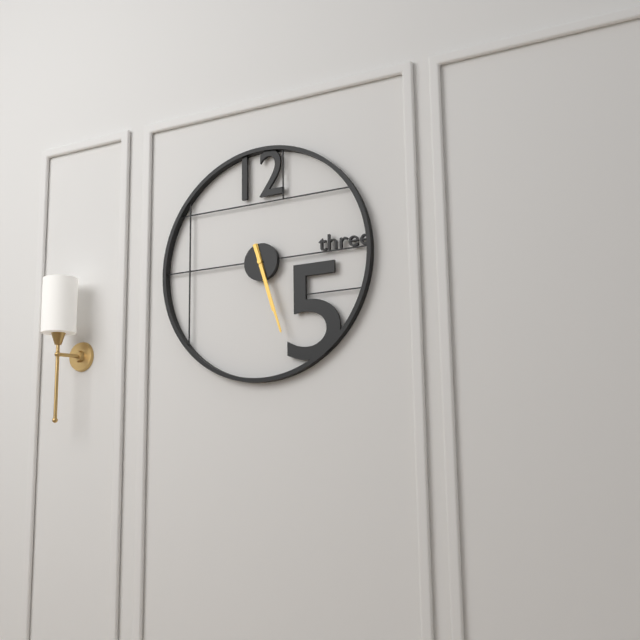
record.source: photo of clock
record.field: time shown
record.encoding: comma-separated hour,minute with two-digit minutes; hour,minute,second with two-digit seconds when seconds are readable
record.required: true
5,27
